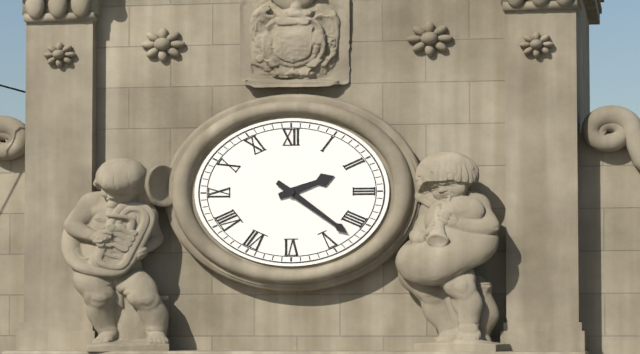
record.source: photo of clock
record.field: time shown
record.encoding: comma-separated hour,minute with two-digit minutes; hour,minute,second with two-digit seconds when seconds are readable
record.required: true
2,21
